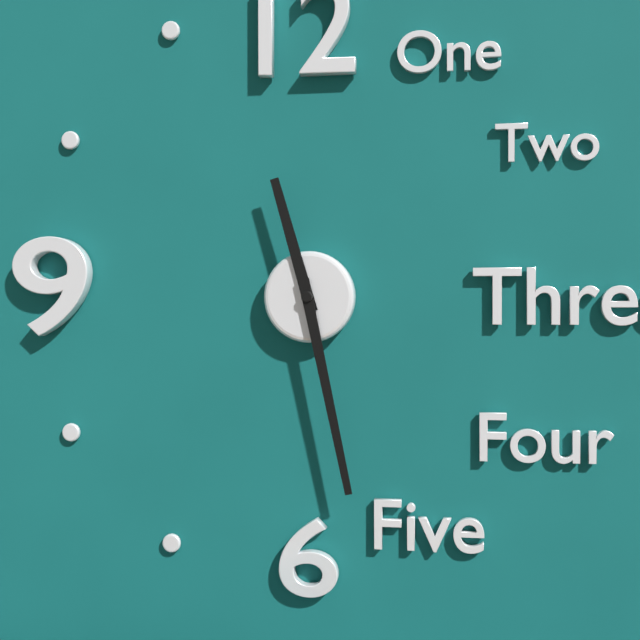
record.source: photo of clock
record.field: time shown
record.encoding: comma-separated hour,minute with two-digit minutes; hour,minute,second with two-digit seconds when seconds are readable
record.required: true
11,28
